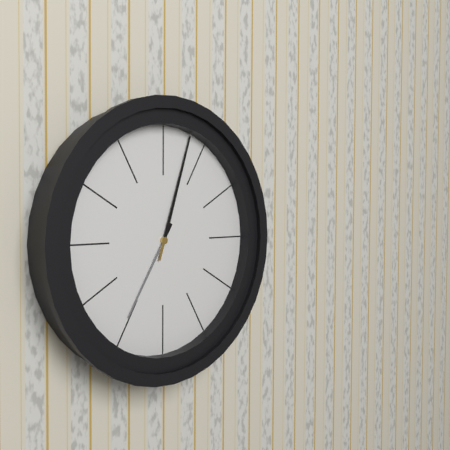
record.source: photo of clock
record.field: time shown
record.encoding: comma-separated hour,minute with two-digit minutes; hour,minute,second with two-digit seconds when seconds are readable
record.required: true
7,03
